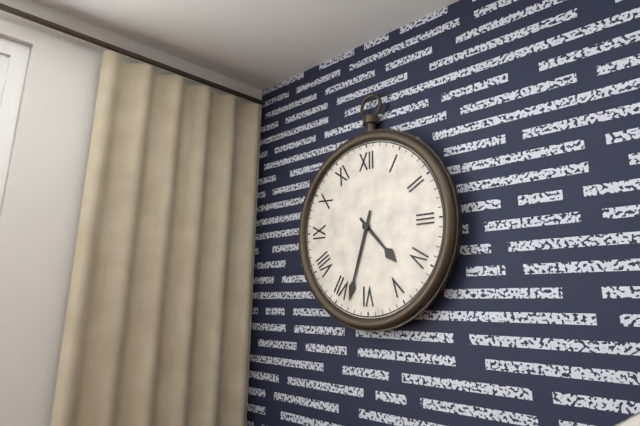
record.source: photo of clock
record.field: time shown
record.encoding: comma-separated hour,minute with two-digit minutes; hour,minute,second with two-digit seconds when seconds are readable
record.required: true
4,33
